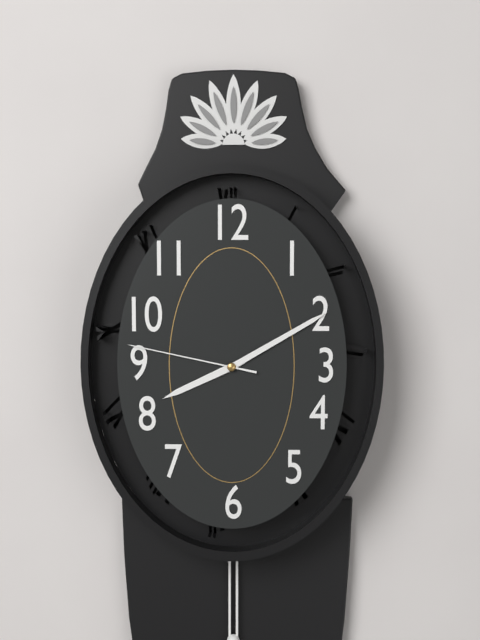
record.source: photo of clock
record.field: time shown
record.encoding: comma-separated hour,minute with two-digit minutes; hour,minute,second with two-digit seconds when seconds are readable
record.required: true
8,10,47
